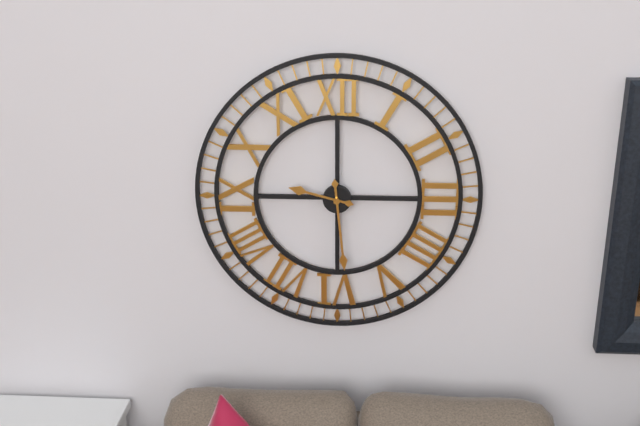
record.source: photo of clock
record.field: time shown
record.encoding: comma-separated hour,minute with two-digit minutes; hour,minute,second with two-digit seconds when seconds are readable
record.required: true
9,29
